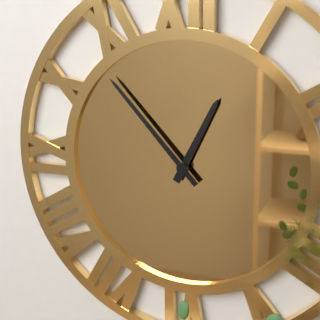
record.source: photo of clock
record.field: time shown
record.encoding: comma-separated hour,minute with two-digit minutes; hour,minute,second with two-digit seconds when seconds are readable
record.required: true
12,53
